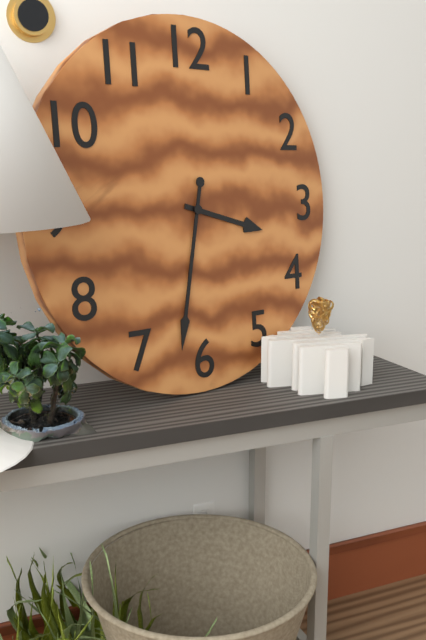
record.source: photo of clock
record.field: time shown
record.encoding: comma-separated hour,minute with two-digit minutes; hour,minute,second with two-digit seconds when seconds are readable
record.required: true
3,32
